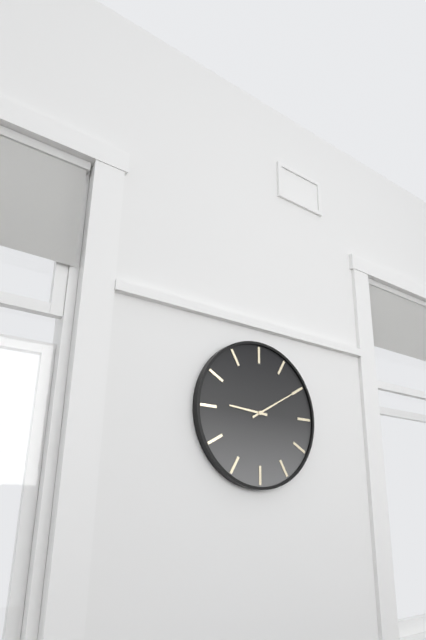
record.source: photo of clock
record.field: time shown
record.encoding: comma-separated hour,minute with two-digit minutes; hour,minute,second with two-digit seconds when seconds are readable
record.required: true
9,10
